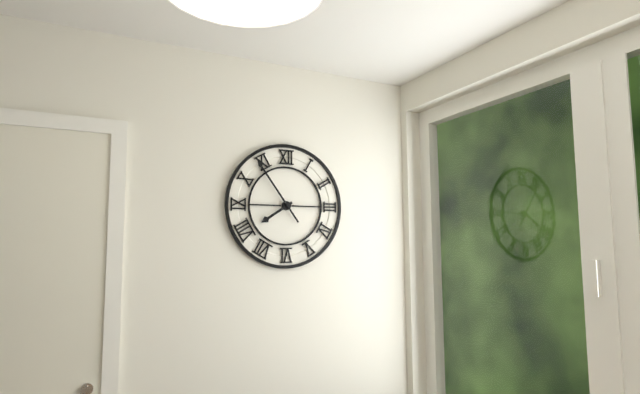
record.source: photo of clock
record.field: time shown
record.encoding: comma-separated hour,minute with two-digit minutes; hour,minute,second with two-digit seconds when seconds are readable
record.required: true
7,54
